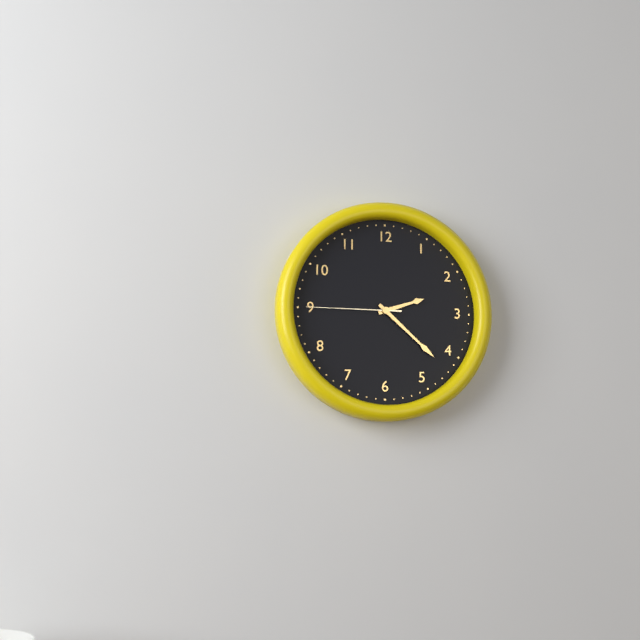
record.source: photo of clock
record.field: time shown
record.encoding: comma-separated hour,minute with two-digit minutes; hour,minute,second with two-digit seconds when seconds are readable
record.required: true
2,22,45
